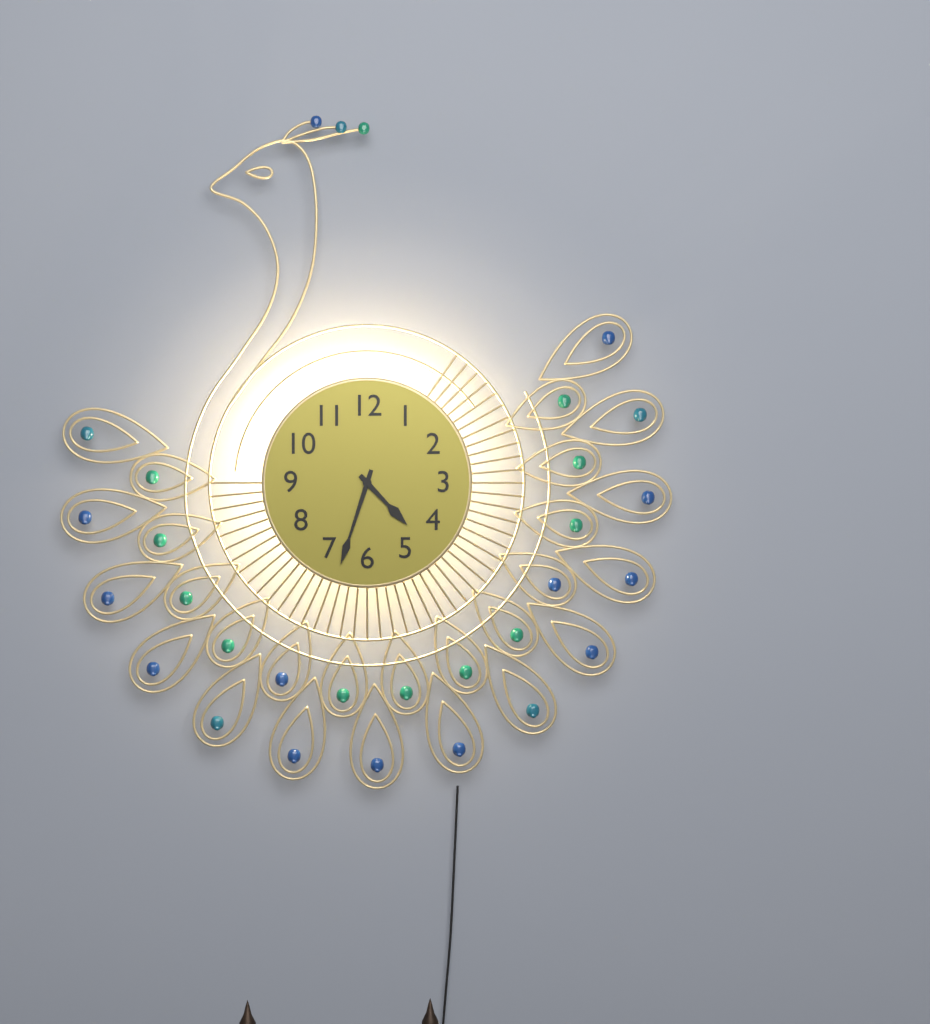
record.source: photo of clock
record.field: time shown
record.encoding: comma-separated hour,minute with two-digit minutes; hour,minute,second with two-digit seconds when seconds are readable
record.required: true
4,33
